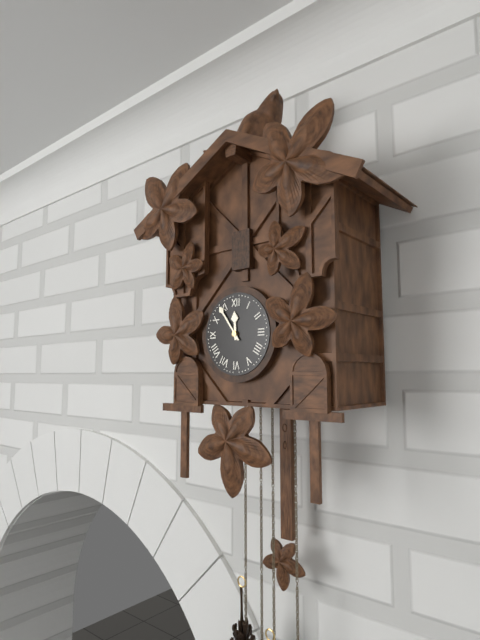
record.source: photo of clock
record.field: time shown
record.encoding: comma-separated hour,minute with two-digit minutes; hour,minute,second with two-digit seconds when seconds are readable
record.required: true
11,54
